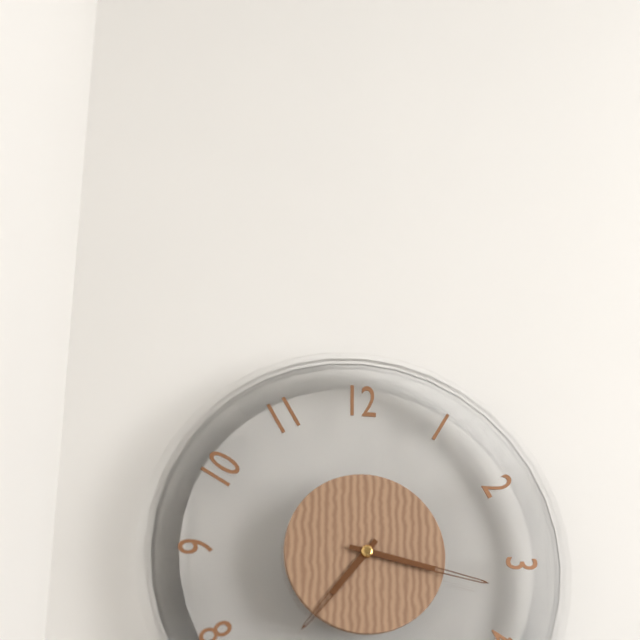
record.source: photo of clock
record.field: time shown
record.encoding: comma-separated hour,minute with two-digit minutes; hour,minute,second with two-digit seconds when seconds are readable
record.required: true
7,17
